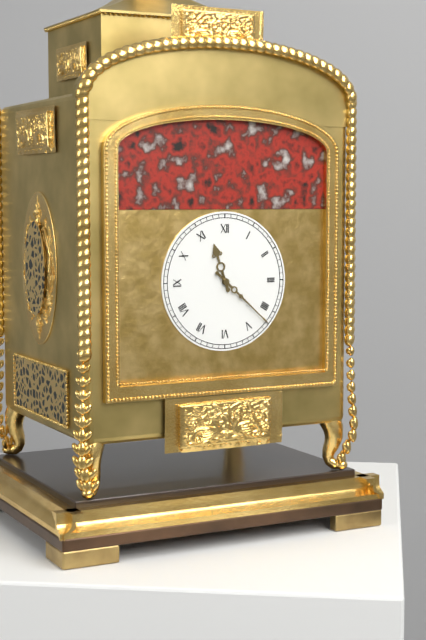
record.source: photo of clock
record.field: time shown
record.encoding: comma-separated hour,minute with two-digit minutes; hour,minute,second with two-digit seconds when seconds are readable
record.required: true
11,22
